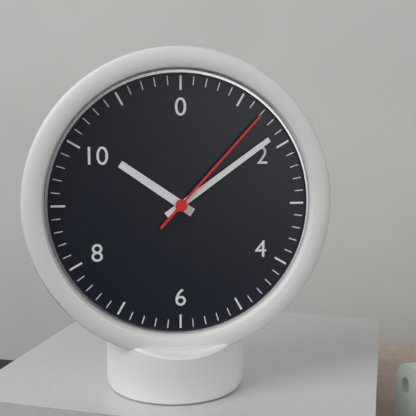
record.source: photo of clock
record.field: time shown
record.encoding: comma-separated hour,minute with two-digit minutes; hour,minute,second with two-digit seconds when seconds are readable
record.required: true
10,09,07
